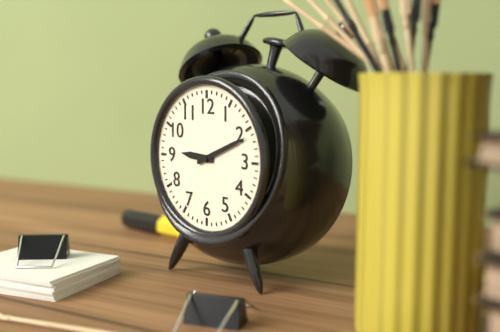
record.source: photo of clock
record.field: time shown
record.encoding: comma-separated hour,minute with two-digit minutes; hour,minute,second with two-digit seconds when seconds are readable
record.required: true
9,11
